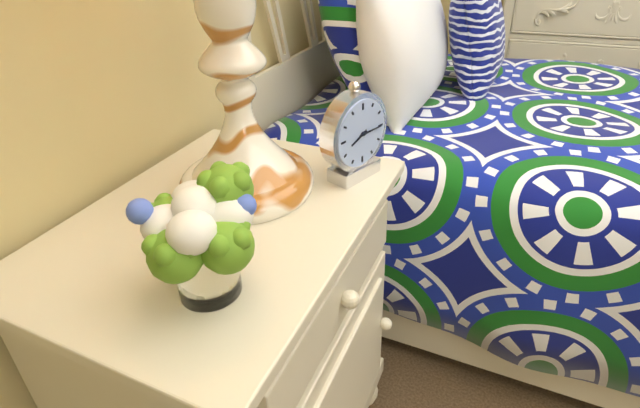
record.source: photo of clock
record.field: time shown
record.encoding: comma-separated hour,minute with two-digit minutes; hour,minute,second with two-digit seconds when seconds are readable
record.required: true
8,15
